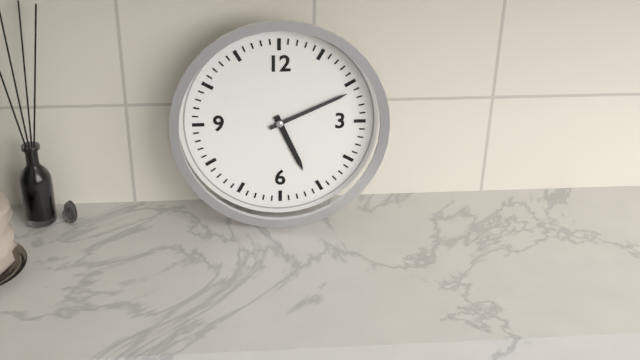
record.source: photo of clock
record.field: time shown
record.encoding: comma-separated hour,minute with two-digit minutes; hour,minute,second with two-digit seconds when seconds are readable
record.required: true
5,11
